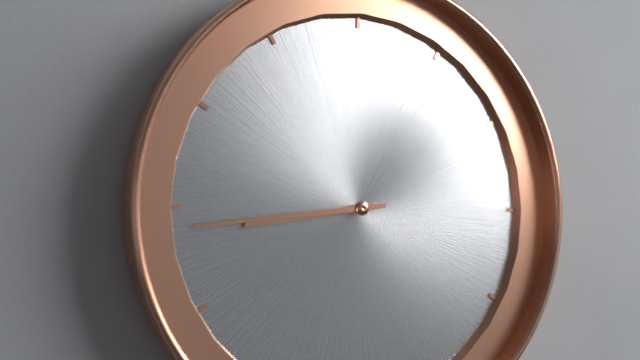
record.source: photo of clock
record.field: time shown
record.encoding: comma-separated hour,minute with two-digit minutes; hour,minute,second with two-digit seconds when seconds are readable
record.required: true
8,44
